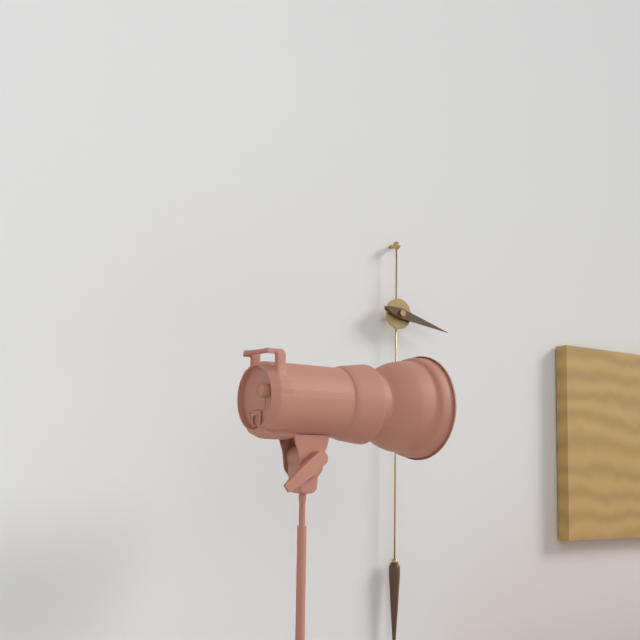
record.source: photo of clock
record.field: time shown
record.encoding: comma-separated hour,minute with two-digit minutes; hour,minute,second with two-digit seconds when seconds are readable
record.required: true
3,17
